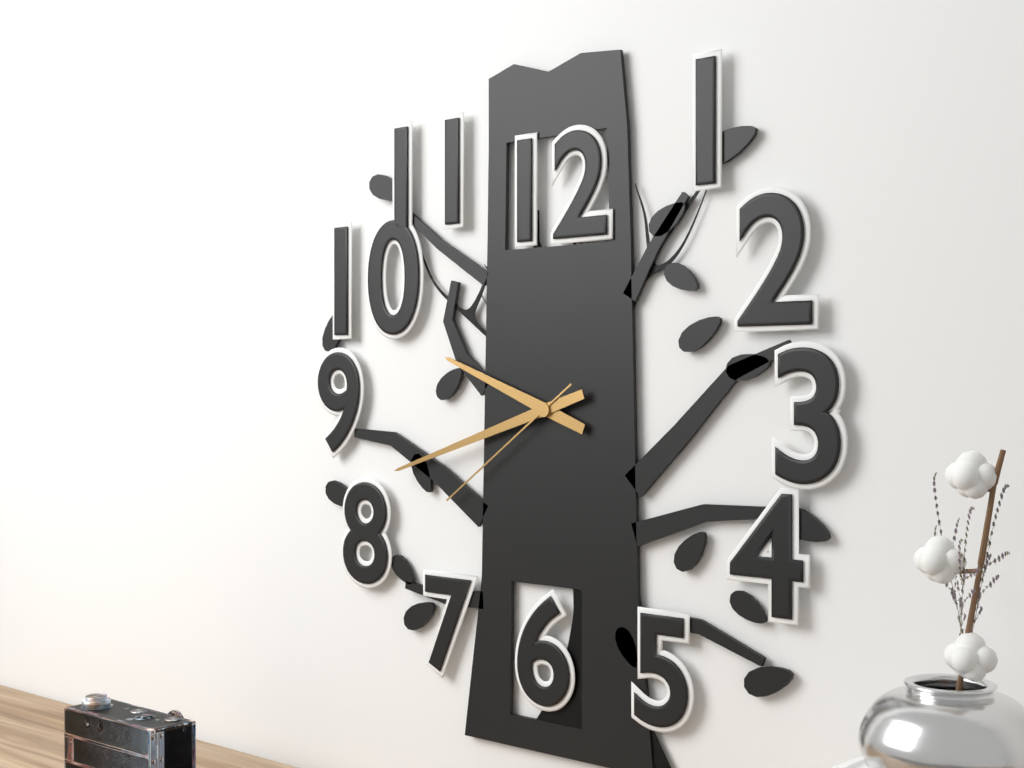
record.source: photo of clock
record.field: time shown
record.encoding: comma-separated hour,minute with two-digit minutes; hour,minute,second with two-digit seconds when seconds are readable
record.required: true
9,42,39
